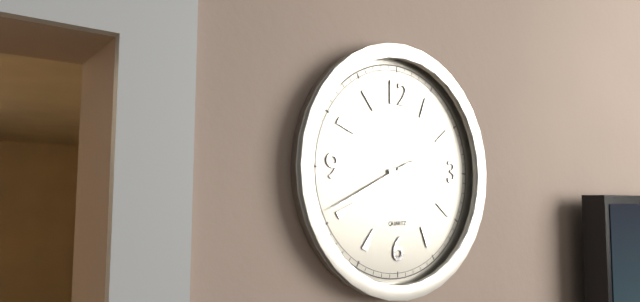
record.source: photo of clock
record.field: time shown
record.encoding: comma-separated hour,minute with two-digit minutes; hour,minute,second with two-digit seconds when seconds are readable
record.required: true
2,41,41
